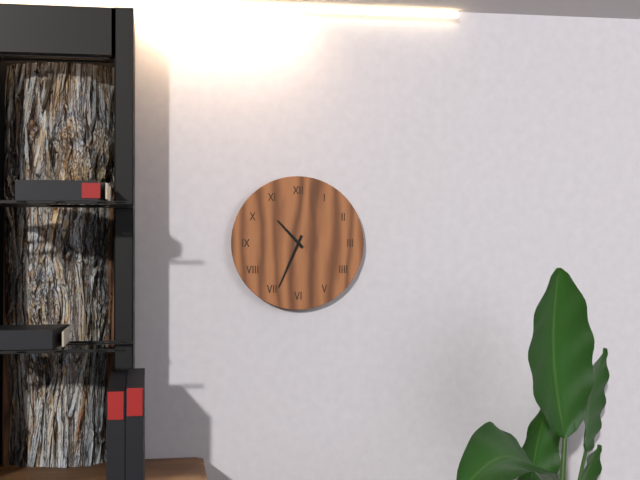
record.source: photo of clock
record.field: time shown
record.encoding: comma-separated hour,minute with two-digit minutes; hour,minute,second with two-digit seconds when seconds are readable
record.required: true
10,34
